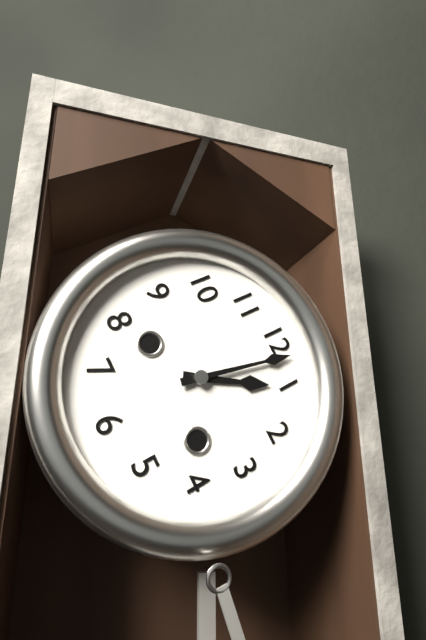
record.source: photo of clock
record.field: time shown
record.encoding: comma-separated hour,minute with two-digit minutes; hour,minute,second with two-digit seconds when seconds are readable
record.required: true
1,02
